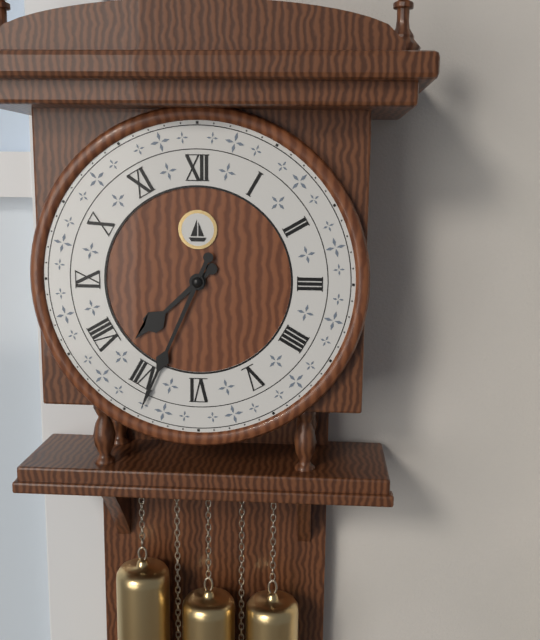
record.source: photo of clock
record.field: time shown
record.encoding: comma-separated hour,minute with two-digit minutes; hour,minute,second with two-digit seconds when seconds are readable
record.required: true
7,34
